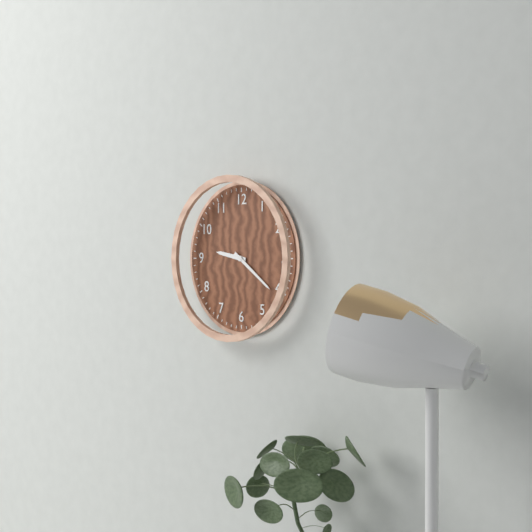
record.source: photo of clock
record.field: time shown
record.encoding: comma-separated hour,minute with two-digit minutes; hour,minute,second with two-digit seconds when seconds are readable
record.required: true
9,21
